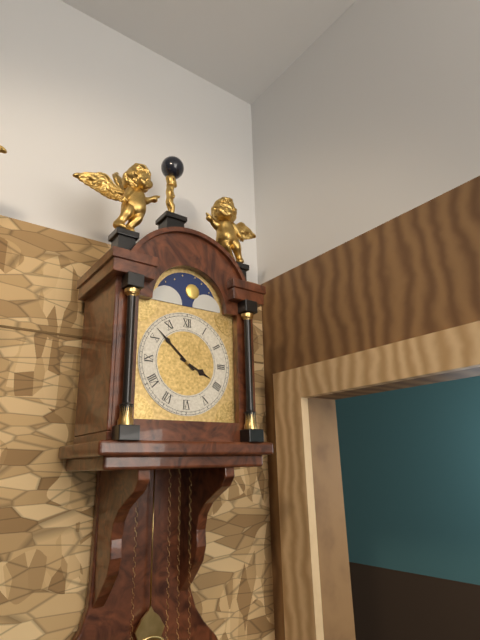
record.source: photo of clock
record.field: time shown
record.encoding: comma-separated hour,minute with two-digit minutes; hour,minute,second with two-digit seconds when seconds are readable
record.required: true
3,52
